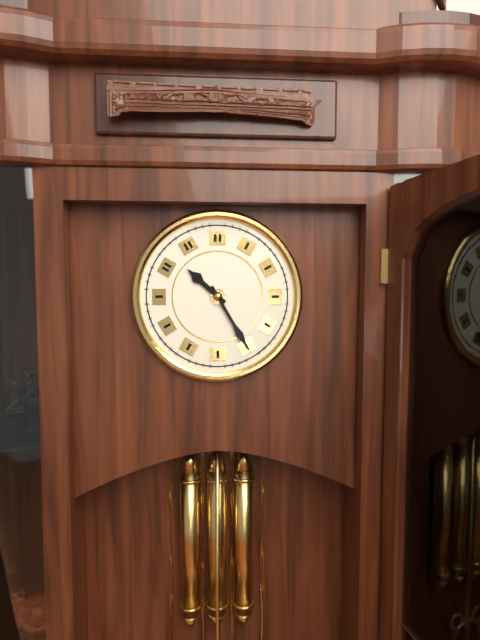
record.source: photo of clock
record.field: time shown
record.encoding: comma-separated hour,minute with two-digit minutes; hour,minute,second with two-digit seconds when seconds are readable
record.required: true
10,25
